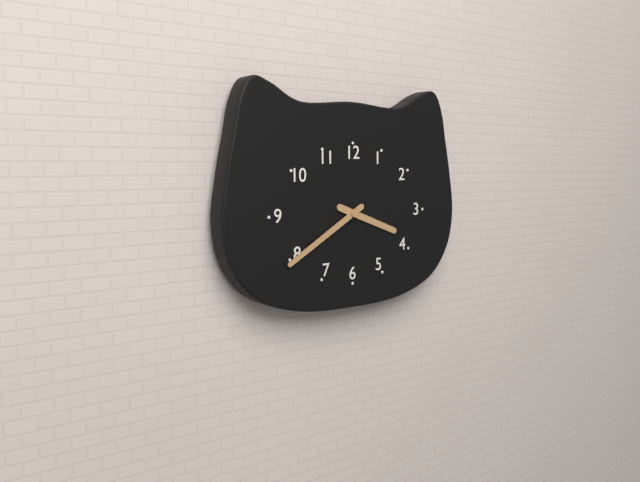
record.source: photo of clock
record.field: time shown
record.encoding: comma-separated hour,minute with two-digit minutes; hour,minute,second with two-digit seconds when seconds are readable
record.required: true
3,40
